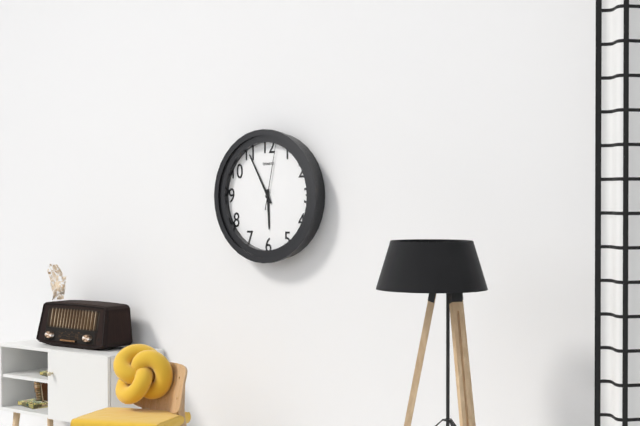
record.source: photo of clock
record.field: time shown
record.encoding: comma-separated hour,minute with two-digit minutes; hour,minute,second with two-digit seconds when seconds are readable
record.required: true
5,55,02
